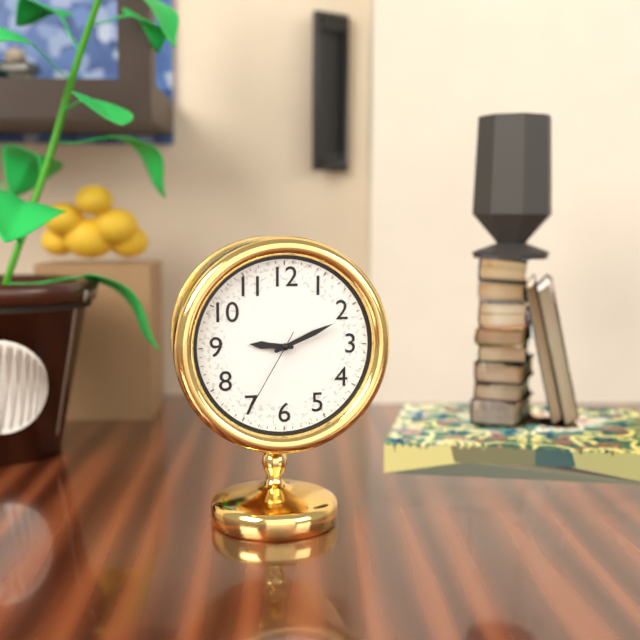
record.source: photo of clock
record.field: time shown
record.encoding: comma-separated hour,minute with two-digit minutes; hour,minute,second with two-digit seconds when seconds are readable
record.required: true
9,11,35
